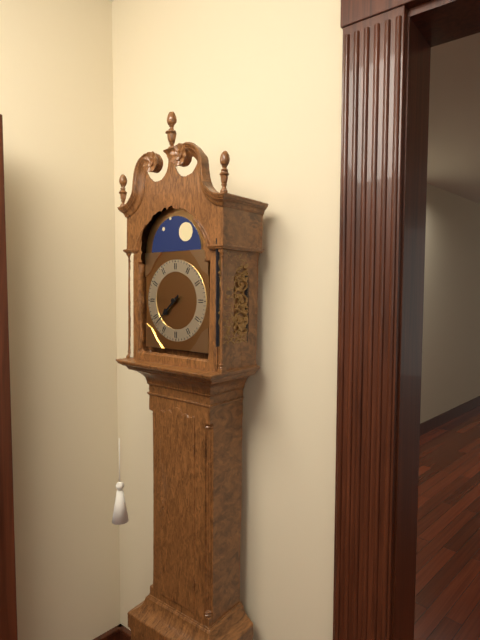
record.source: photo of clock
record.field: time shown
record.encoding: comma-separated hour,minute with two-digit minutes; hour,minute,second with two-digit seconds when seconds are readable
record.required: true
7,38
